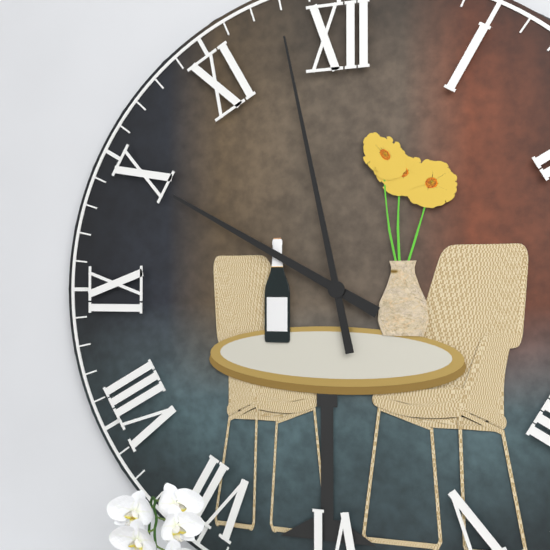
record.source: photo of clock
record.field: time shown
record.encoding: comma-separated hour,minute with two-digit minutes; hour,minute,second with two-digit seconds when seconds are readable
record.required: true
9,58
